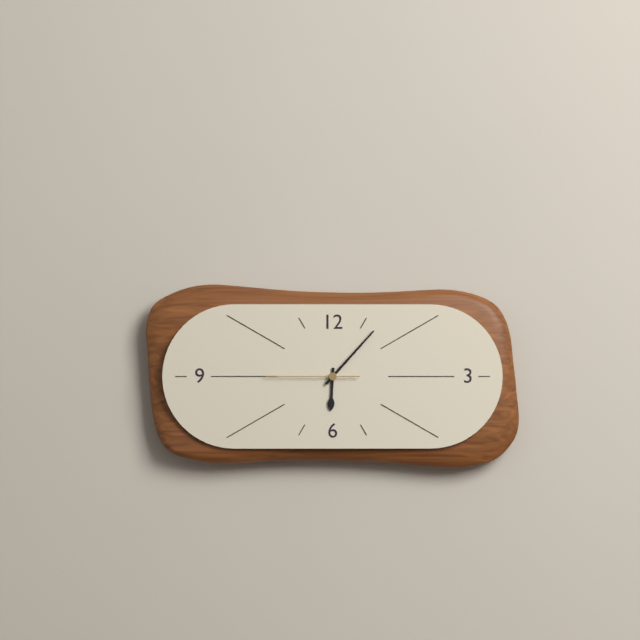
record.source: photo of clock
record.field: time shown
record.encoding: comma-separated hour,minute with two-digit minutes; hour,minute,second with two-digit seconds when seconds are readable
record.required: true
6,07,45
